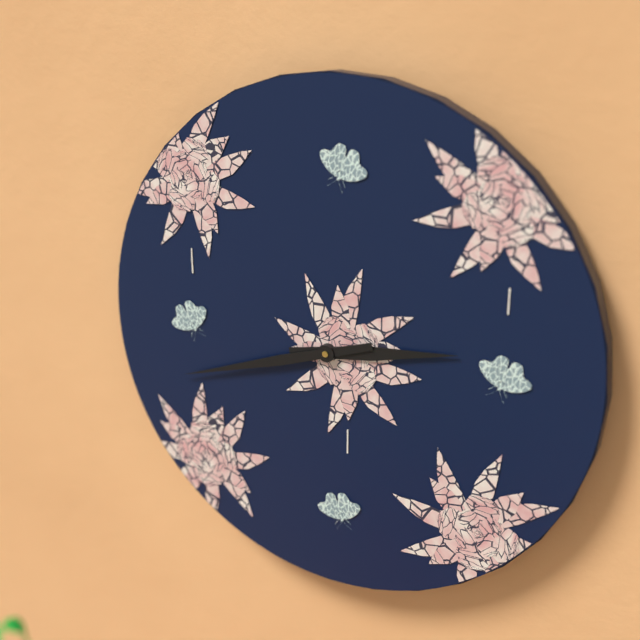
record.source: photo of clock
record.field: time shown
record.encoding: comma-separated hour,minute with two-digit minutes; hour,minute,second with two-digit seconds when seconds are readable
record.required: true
2,42
